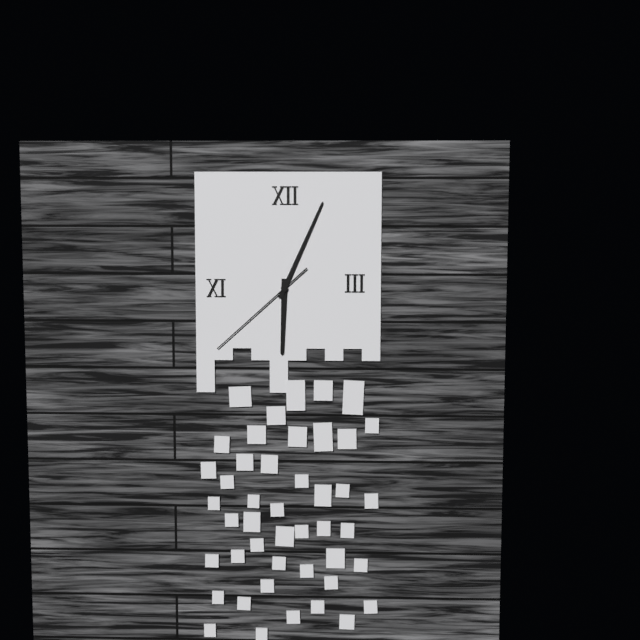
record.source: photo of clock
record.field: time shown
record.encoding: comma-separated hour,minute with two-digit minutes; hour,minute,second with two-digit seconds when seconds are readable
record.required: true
6,04,38
